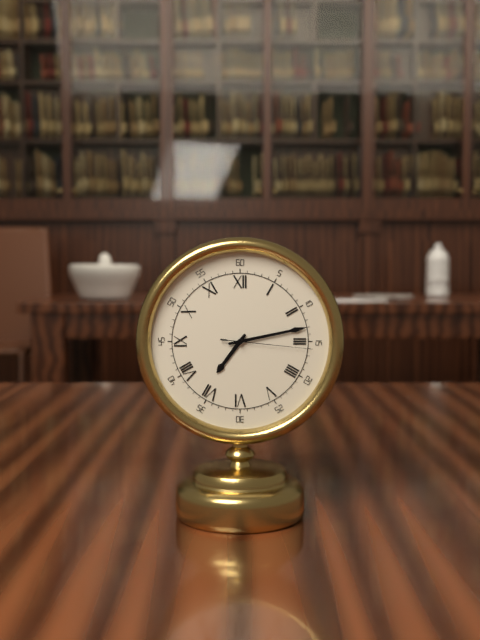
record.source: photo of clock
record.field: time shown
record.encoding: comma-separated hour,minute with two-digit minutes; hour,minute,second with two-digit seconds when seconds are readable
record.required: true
7,13,16
